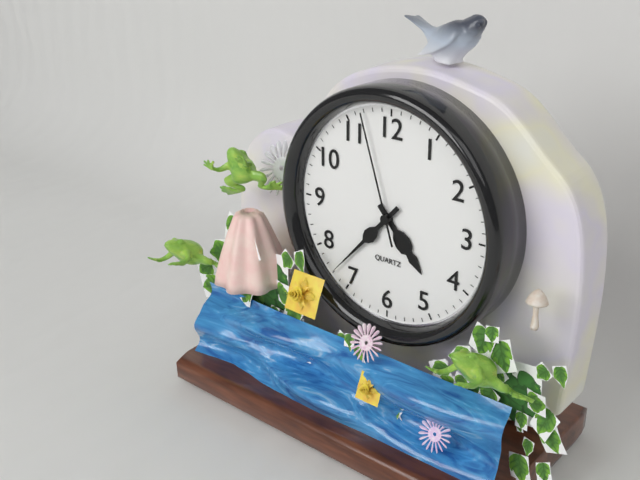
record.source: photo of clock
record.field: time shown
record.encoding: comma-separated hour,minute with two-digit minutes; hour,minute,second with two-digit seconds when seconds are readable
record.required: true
4,37,57
